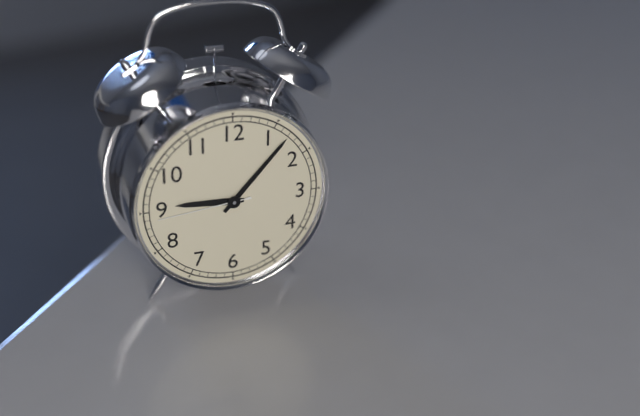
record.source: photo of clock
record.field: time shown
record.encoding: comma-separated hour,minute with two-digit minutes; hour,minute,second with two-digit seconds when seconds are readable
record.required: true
9,07,44
